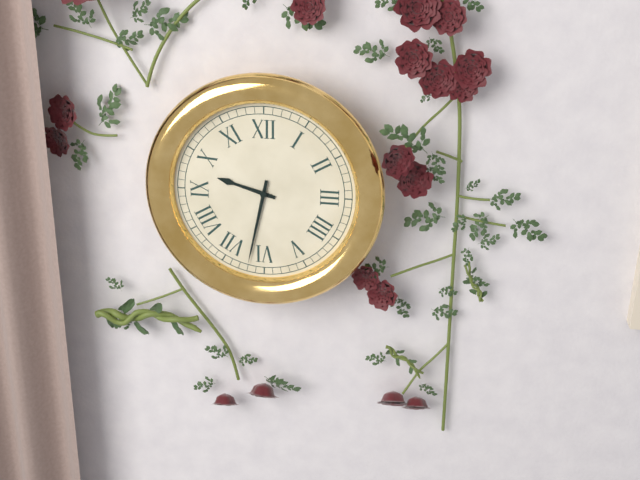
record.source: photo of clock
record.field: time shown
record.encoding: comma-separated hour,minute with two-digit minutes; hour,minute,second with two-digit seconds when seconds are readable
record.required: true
9,32
